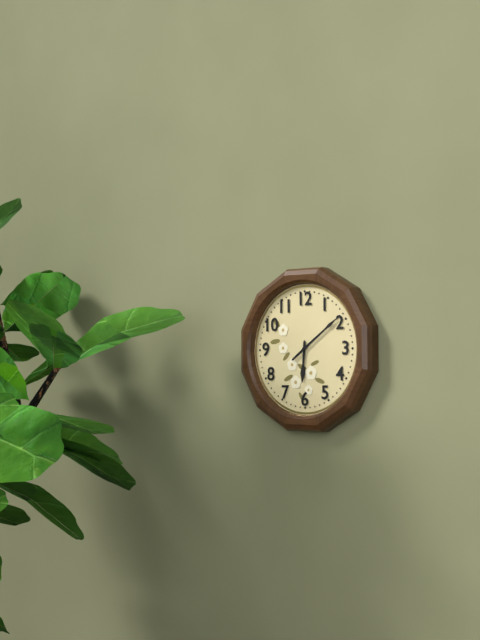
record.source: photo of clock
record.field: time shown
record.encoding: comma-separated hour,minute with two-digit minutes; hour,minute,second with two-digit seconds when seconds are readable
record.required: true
6,09
